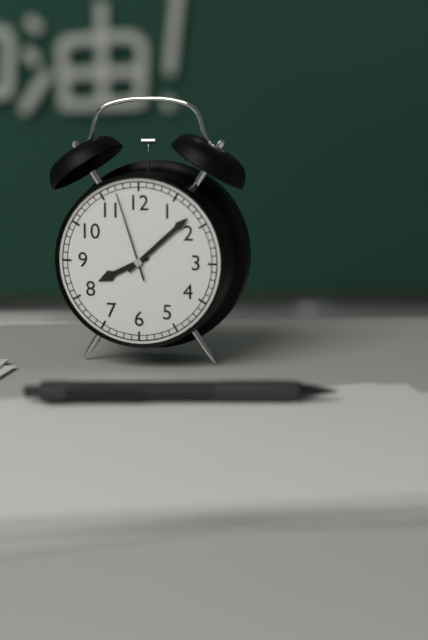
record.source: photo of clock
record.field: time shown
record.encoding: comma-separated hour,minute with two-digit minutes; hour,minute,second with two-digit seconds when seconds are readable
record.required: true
8,08,57
